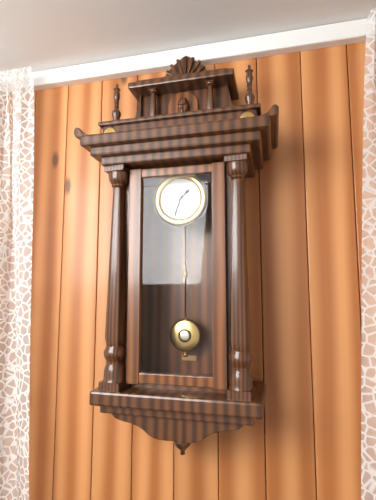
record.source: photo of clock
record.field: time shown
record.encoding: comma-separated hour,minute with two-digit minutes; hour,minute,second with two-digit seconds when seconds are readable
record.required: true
1,33
